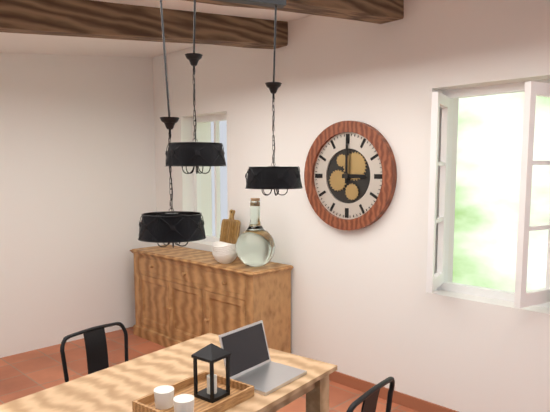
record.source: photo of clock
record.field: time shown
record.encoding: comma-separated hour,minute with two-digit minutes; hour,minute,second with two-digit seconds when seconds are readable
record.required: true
3,00
